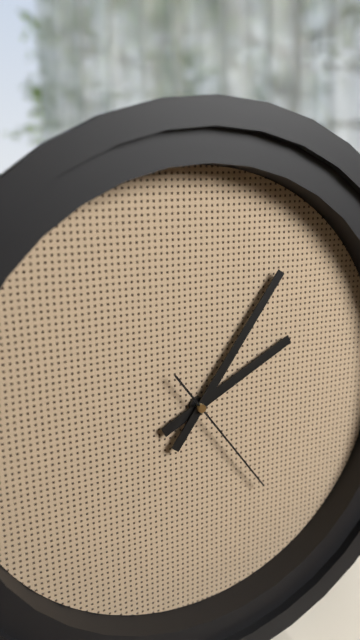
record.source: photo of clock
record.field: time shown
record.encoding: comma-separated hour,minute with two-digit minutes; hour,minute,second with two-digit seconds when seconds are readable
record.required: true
2,06,24
